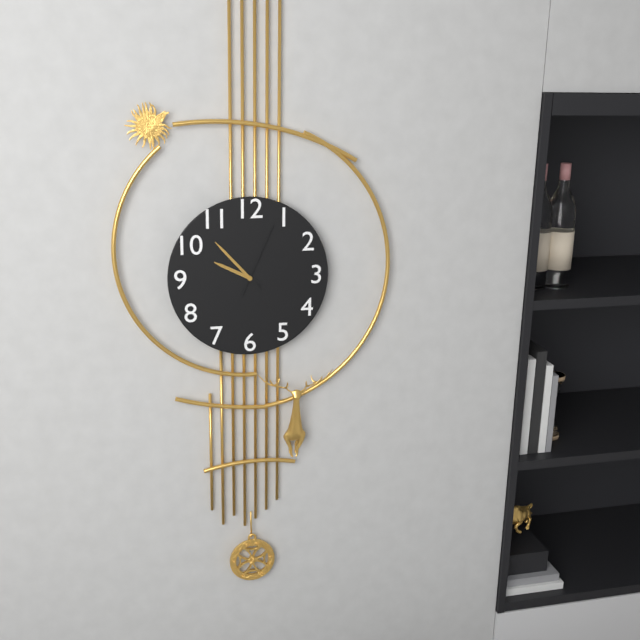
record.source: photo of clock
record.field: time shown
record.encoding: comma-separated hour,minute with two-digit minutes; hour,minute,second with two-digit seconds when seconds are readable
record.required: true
9,53,04
